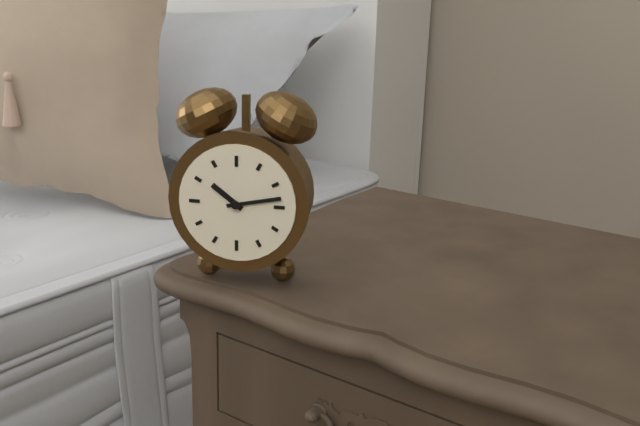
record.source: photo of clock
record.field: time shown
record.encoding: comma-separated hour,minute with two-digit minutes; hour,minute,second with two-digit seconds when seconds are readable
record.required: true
10,13
